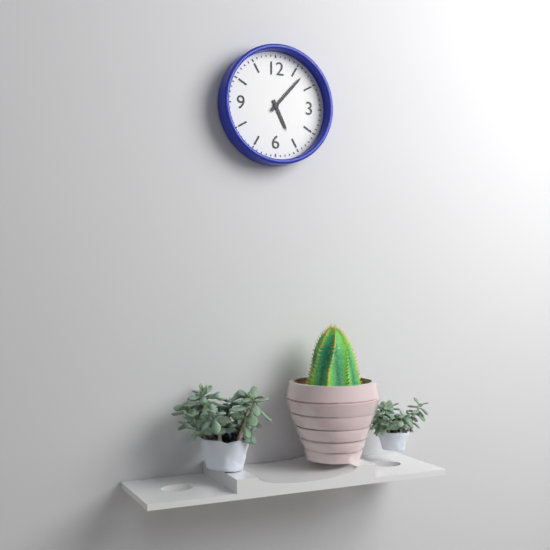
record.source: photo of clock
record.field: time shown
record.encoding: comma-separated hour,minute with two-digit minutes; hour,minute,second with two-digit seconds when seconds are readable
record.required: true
5,07
